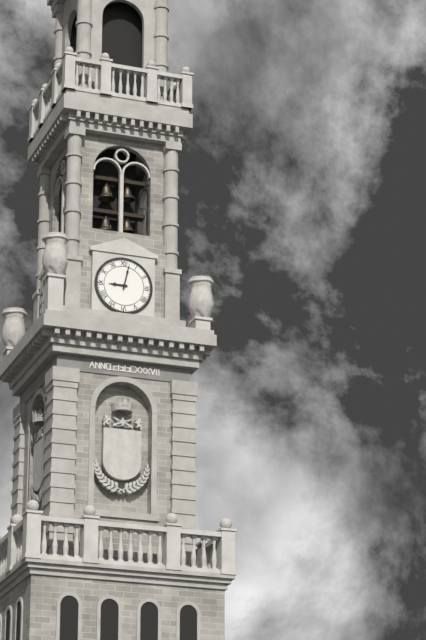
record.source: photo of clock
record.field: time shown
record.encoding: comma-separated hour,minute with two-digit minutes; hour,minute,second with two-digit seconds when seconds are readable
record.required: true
9,02
